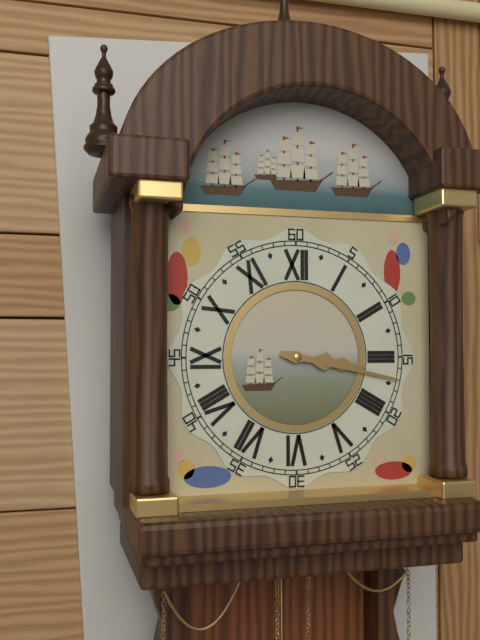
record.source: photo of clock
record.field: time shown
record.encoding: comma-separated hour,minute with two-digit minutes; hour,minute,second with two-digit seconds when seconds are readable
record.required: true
3,17
